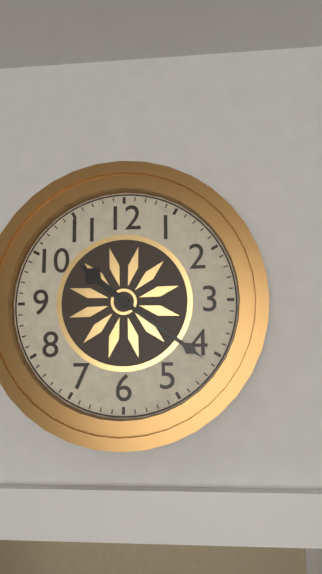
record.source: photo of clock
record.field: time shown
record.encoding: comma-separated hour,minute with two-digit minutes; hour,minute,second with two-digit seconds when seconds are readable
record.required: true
10,21
